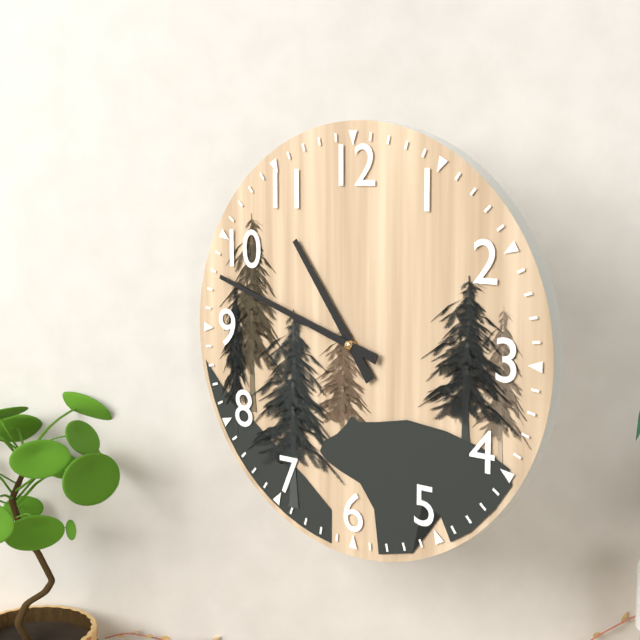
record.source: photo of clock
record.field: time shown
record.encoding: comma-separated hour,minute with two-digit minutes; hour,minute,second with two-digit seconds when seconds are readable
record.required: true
10,48
